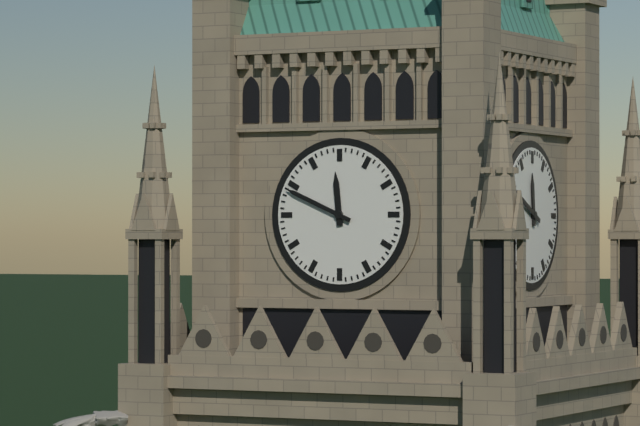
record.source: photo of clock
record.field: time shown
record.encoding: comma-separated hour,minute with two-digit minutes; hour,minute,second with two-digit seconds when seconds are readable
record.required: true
11,49
